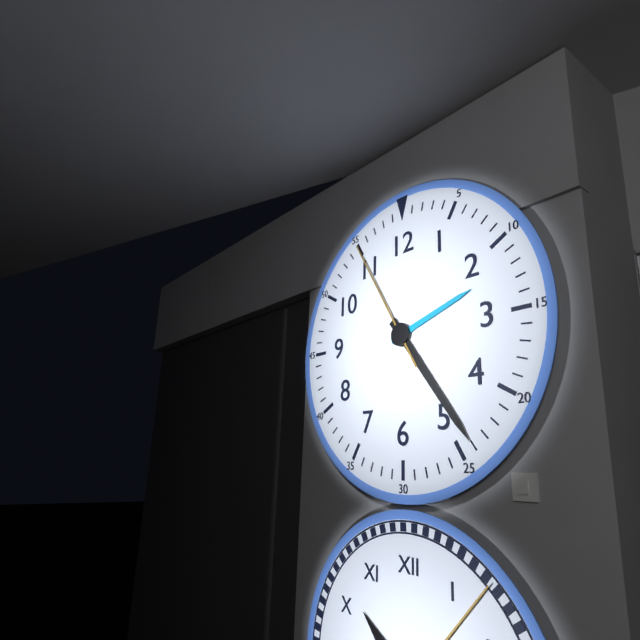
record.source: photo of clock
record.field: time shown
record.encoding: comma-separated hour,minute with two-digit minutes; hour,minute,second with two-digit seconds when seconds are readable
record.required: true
2,24,55
